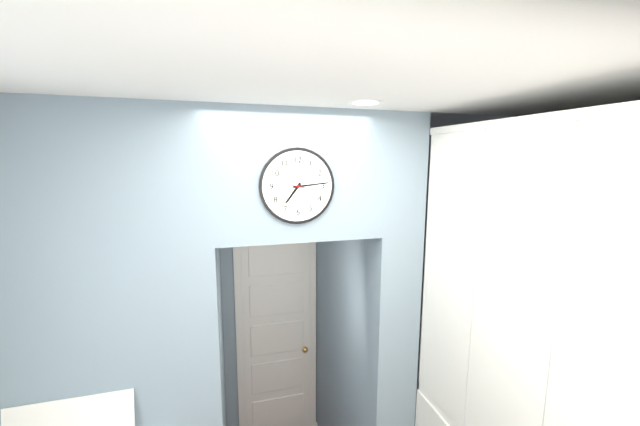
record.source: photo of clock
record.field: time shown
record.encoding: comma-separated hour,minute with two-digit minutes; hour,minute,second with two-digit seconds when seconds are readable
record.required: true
7,14
